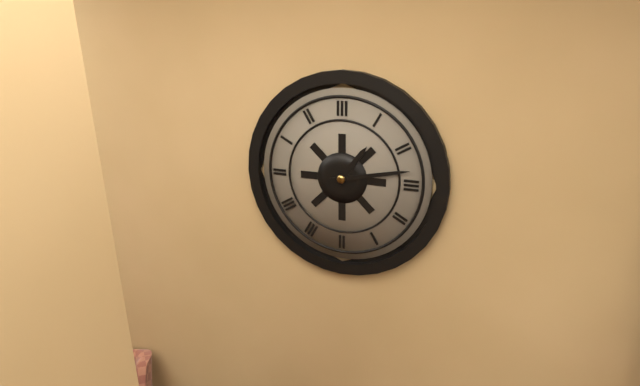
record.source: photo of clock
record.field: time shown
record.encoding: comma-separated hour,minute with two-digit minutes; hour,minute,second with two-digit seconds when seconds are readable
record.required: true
1,13
